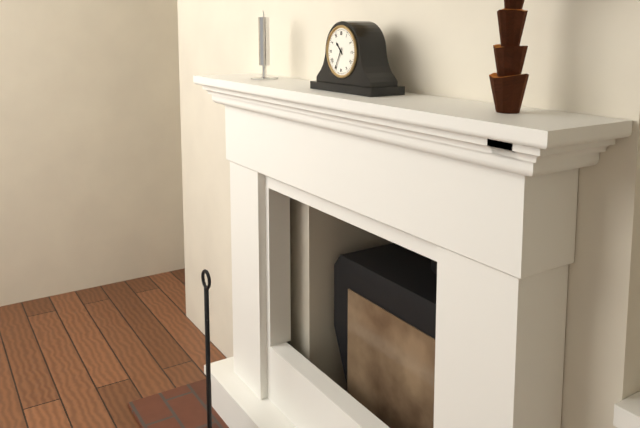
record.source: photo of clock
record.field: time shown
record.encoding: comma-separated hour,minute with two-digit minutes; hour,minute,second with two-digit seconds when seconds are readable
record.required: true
10,35
